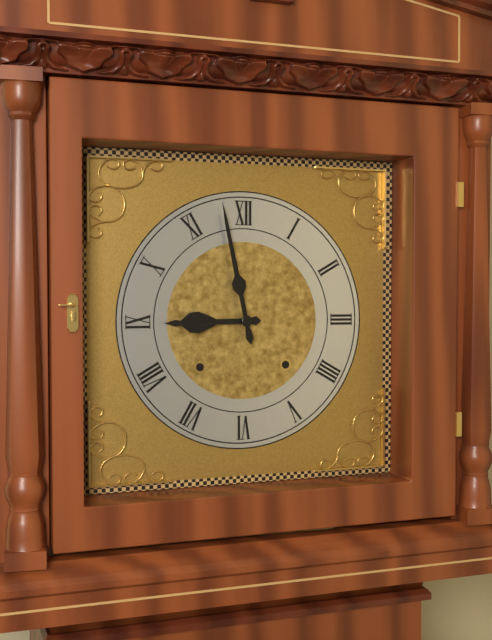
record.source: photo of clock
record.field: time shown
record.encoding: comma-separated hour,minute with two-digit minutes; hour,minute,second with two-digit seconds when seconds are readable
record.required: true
8,58
